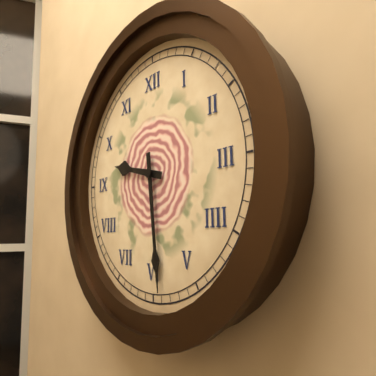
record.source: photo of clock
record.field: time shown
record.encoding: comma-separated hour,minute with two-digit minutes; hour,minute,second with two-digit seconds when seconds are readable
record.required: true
9,29
